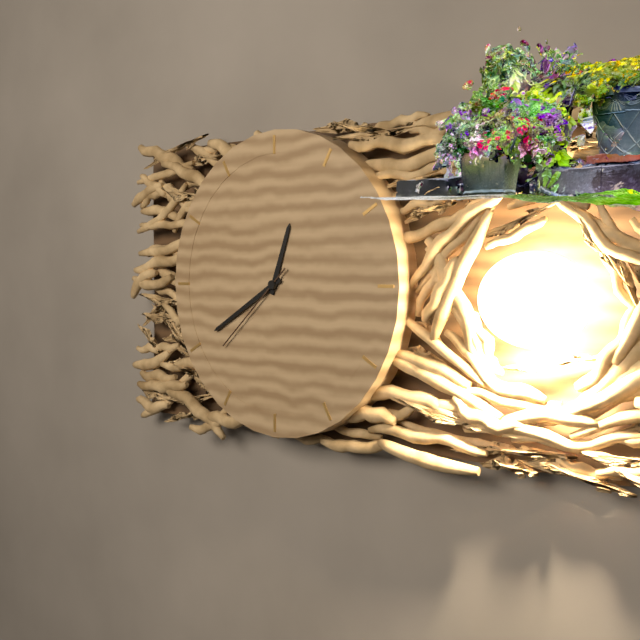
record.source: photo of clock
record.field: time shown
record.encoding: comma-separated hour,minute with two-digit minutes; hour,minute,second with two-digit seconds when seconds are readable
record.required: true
12,40,38
